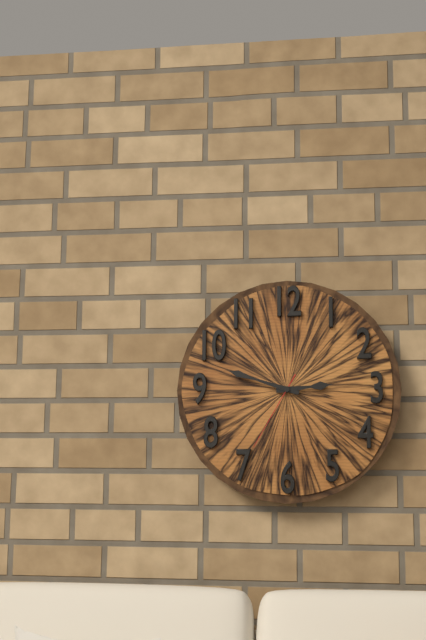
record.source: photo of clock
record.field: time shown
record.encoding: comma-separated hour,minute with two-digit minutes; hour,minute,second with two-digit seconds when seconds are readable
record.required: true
2,48,35
